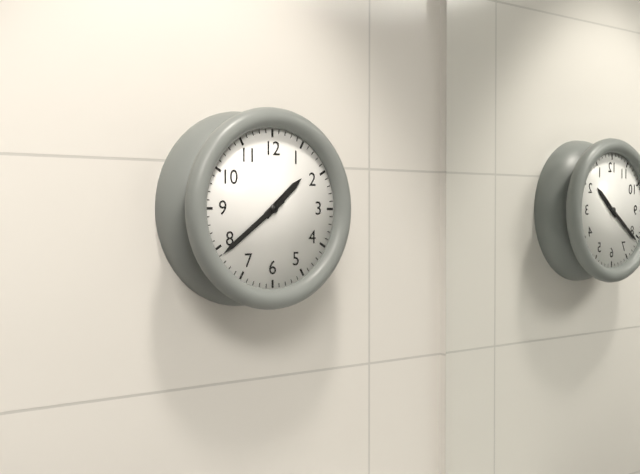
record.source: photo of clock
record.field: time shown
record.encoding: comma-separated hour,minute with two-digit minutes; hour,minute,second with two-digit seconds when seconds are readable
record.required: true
1,39
